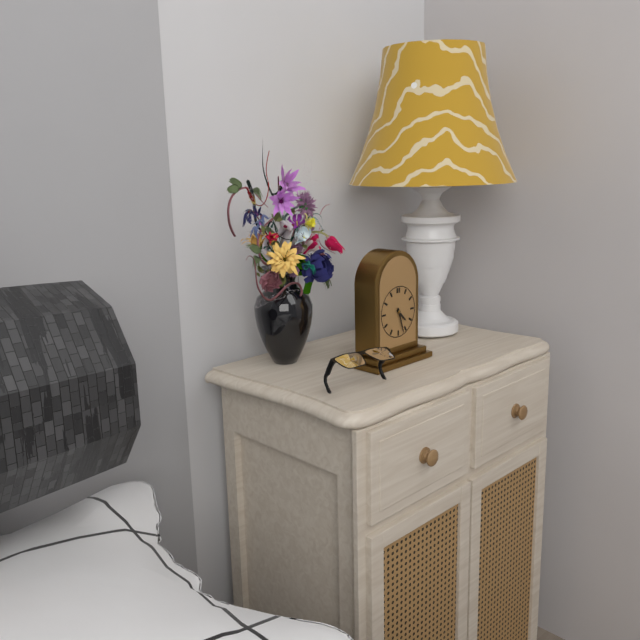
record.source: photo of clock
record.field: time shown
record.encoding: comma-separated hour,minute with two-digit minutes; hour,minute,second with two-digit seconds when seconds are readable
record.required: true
4,27
